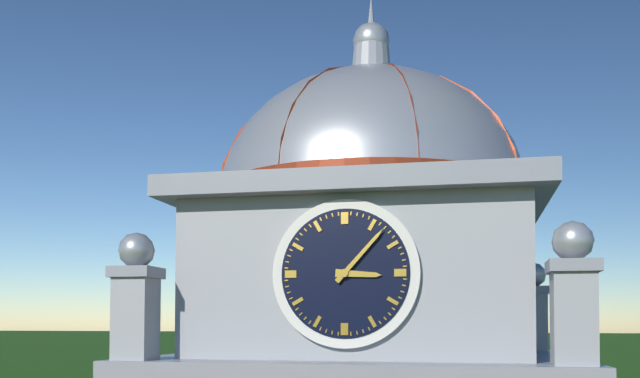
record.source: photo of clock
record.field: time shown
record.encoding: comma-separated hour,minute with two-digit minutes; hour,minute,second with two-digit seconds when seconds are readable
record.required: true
3,07
